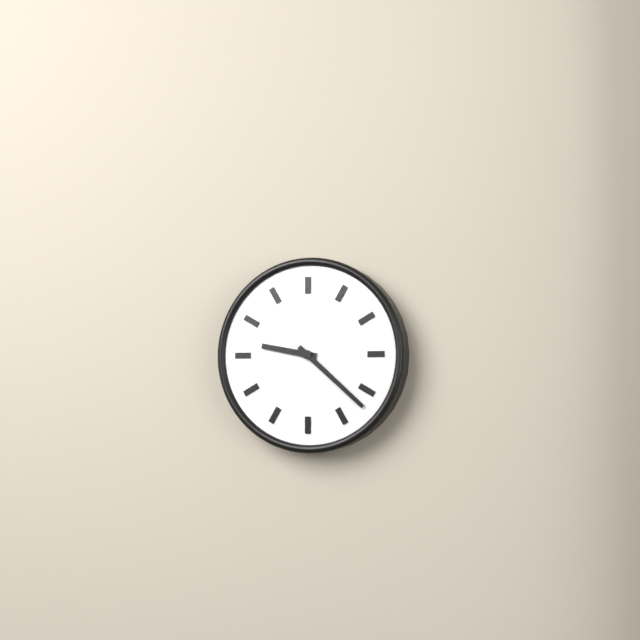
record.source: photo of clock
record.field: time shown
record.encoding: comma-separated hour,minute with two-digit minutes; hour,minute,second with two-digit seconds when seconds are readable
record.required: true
9,22
